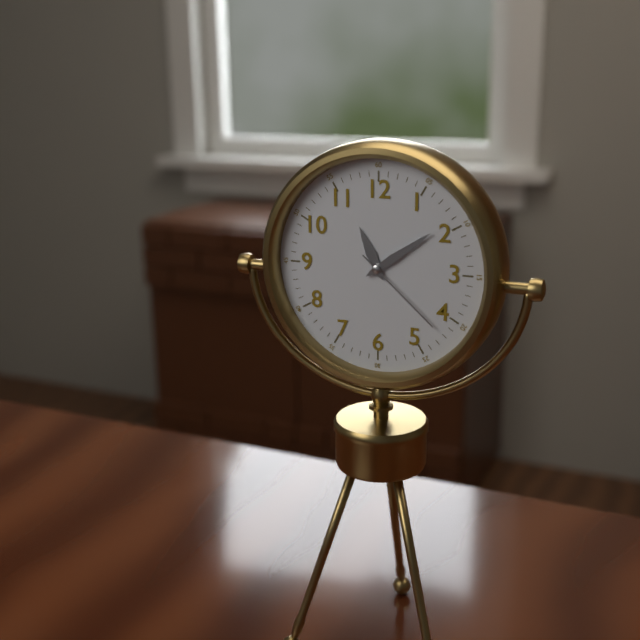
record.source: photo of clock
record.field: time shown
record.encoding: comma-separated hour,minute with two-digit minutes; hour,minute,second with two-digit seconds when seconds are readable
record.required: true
11,09,22
